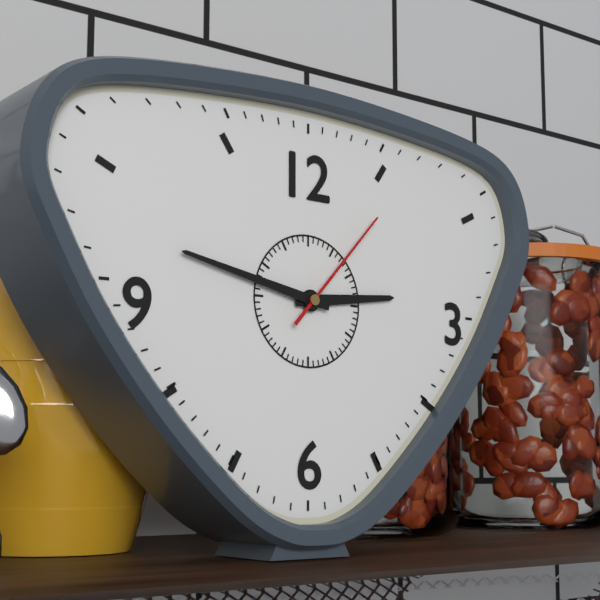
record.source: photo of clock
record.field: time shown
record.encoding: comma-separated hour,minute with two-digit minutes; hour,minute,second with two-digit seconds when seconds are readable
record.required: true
2,47,07
